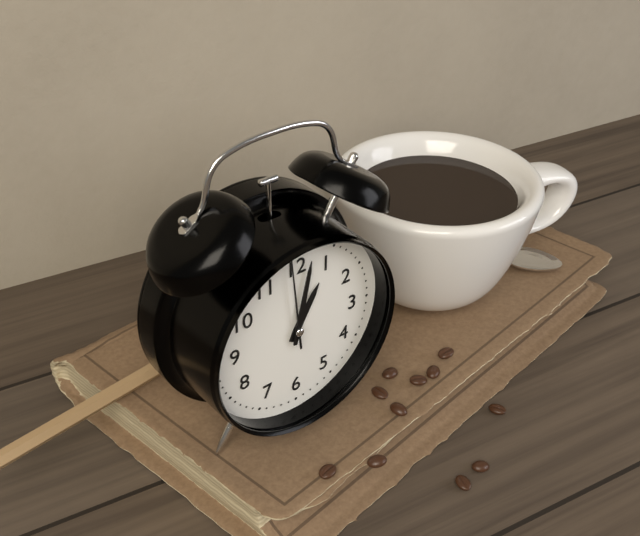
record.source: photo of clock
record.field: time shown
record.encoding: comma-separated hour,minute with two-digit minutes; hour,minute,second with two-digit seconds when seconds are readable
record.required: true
1,02,59
